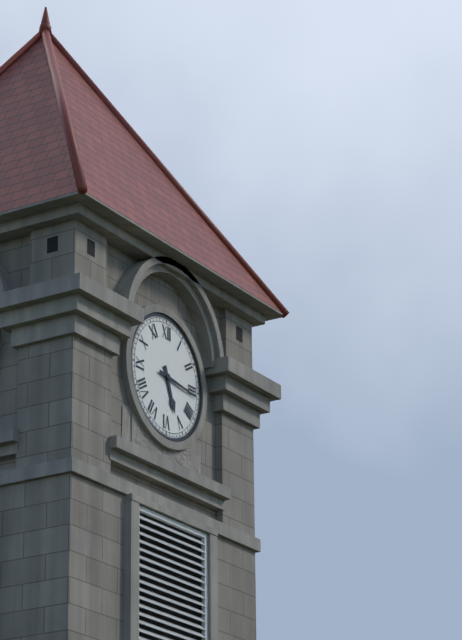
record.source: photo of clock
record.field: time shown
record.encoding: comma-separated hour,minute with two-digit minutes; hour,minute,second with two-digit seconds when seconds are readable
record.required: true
5,16
